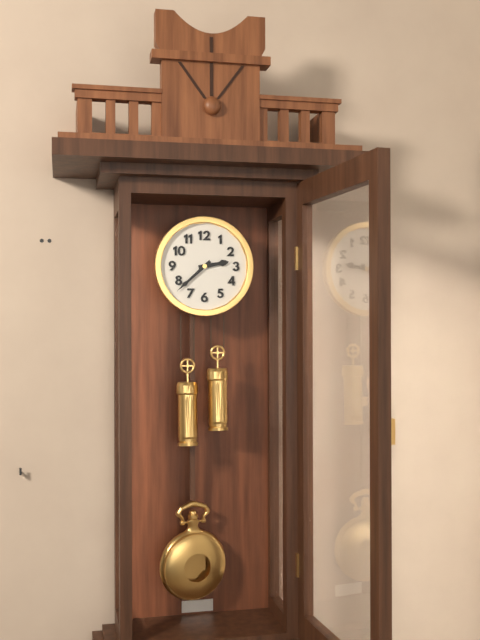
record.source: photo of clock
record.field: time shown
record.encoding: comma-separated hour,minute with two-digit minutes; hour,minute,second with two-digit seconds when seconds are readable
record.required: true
2,38
